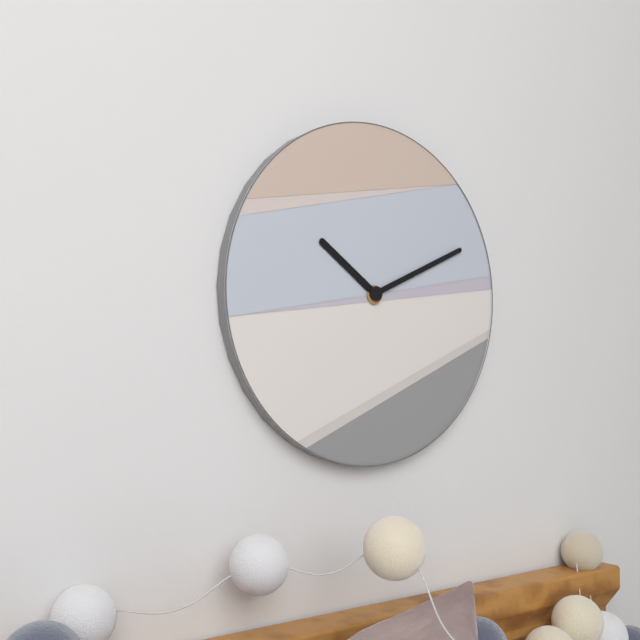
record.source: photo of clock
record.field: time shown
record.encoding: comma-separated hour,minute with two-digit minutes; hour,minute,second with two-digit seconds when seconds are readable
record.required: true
10,11
